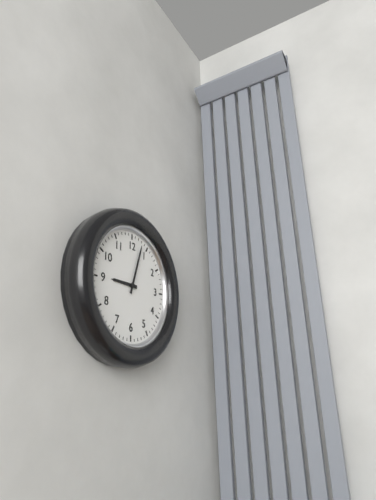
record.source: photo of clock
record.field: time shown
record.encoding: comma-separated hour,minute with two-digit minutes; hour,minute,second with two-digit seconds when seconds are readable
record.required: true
9,03
